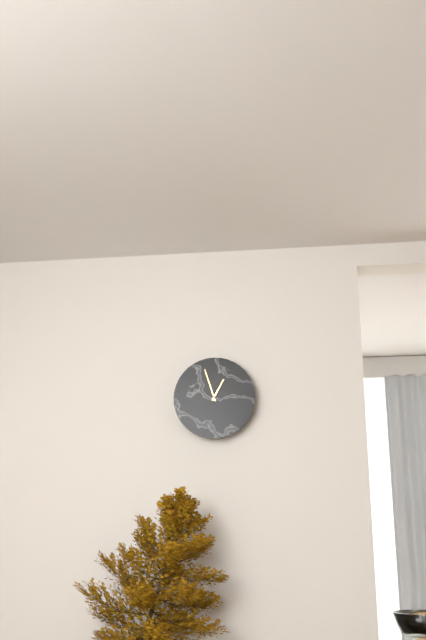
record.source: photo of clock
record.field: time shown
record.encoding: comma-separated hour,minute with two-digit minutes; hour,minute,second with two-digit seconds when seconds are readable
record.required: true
12,57
